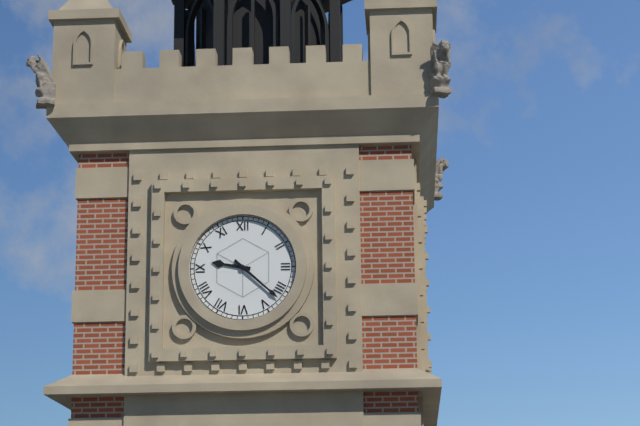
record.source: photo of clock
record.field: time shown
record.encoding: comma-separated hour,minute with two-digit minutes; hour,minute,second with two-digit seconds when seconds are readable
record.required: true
9,22
